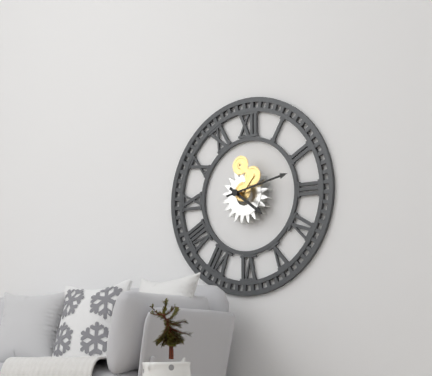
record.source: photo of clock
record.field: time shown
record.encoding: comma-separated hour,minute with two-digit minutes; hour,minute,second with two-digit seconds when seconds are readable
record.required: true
4,13
